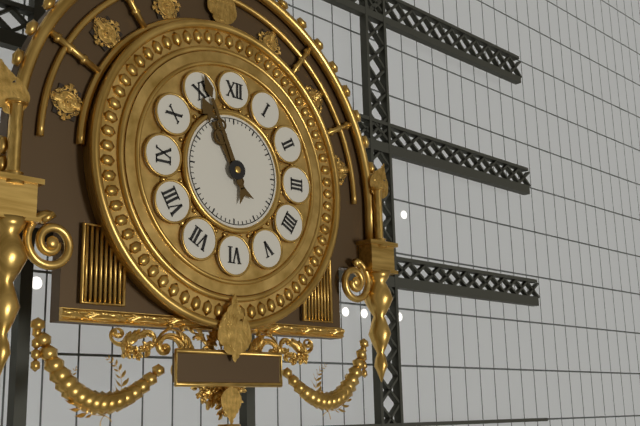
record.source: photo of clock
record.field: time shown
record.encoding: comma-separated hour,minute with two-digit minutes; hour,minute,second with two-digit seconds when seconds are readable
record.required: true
10,56
